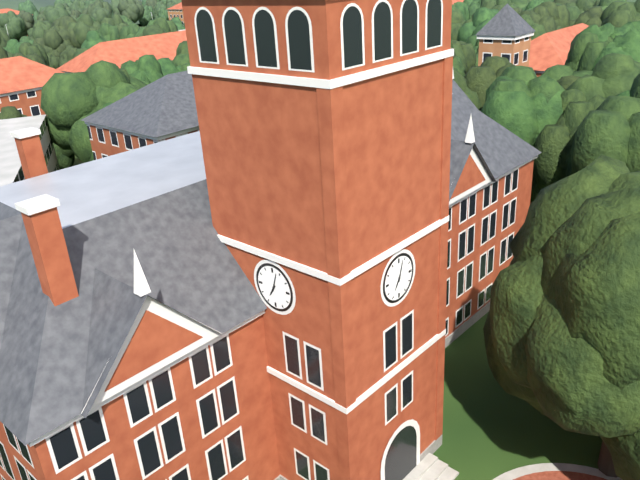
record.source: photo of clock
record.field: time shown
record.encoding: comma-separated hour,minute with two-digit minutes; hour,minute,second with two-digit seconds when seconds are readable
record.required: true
7,03
